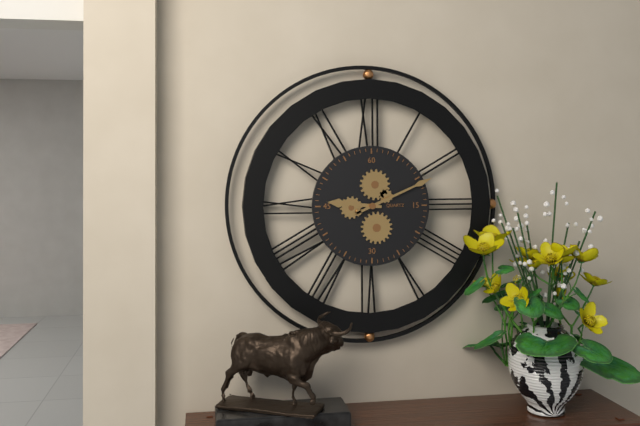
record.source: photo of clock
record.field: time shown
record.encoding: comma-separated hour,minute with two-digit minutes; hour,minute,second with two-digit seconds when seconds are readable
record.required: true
9,11
